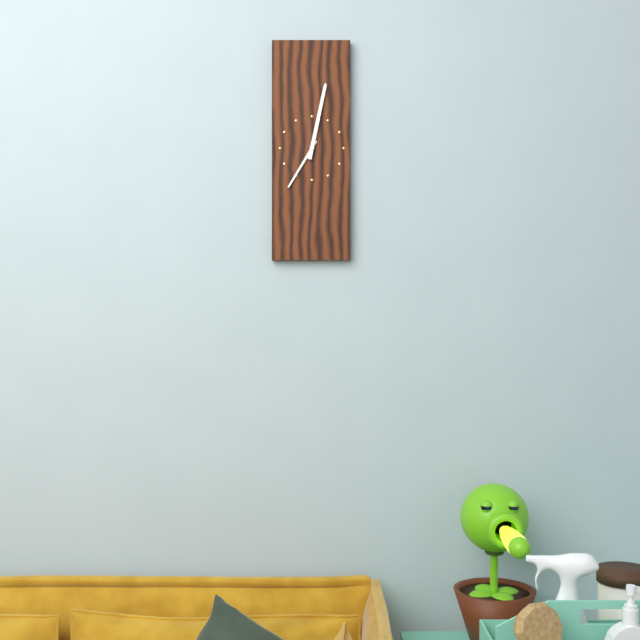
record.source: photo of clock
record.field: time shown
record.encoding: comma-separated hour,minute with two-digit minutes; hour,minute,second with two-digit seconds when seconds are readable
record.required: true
7,02
